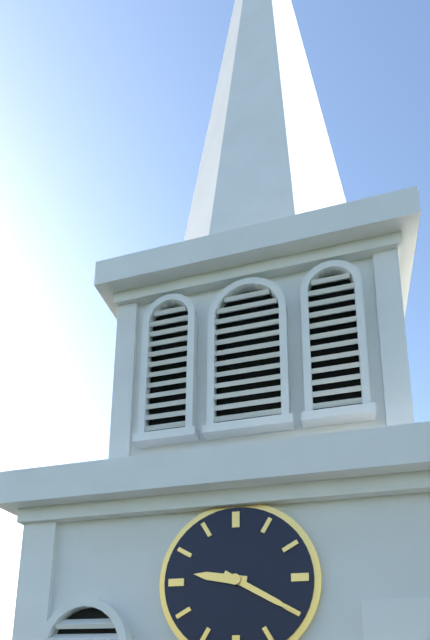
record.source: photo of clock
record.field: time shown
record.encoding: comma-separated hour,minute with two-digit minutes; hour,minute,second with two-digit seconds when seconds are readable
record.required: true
9,20
